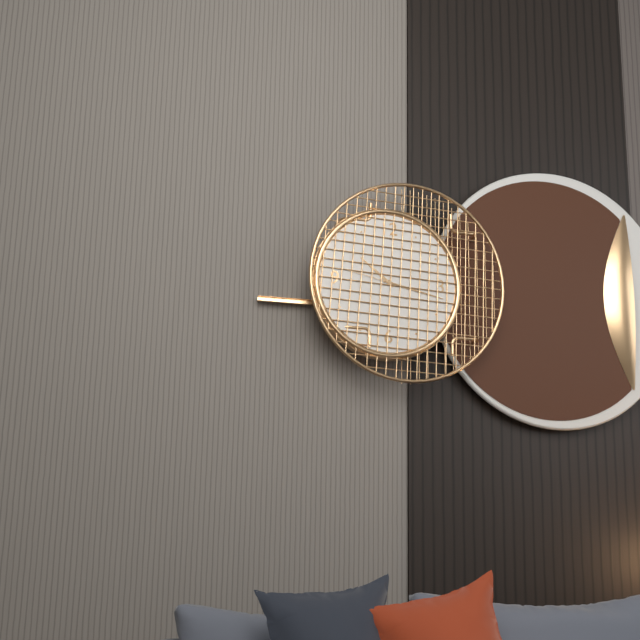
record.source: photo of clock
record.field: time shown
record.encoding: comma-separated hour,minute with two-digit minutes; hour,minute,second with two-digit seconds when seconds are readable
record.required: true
10,17,17
